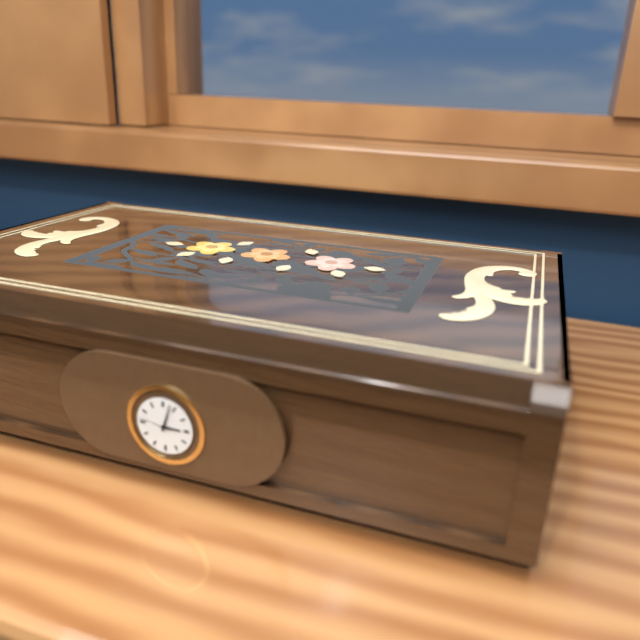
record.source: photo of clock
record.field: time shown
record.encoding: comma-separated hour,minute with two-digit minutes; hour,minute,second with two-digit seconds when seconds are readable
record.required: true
3,03,47
